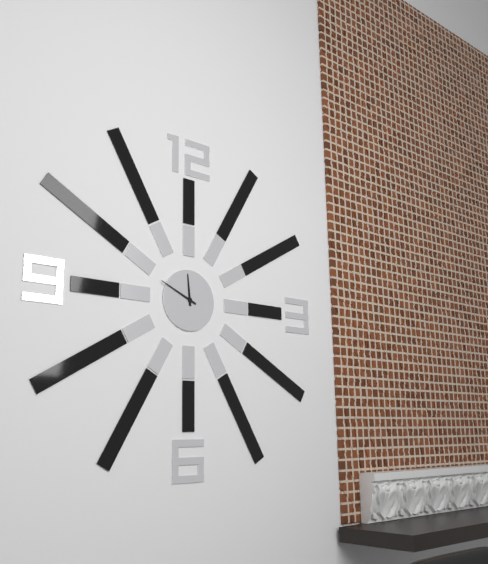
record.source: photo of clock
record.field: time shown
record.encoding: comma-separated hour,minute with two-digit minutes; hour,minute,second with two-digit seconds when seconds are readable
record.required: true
11,49
